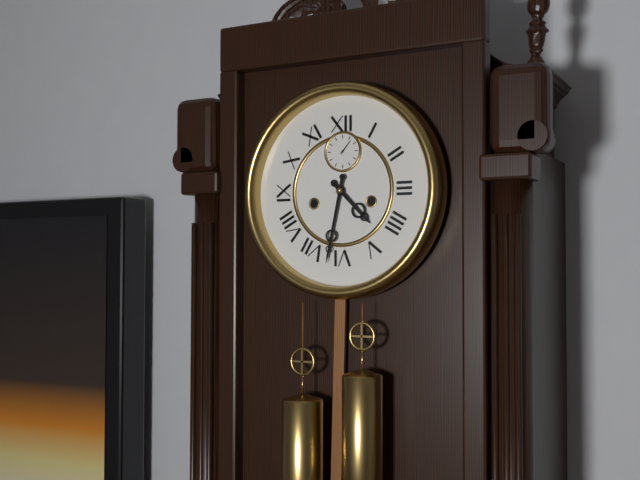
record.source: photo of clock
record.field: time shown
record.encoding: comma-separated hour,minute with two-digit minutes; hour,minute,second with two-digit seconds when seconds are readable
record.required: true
4,32
